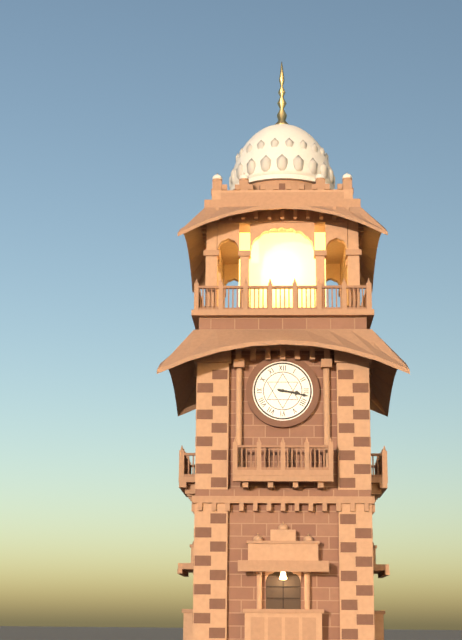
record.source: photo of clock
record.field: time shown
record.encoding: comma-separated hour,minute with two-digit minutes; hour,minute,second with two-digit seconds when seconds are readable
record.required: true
3,17
